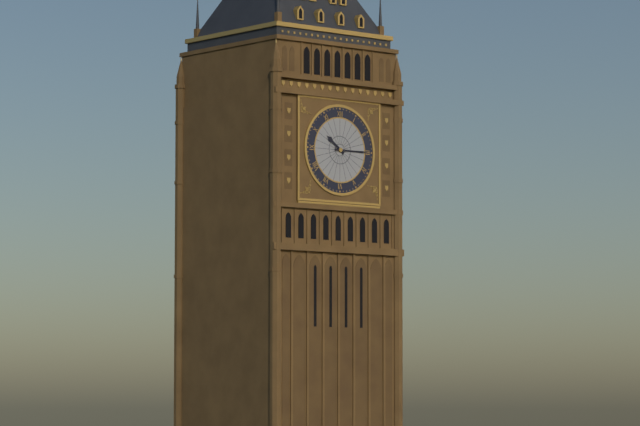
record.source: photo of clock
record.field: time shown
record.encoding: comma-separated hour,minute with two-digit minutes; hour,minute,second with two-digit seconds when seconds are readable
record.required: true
10,15
